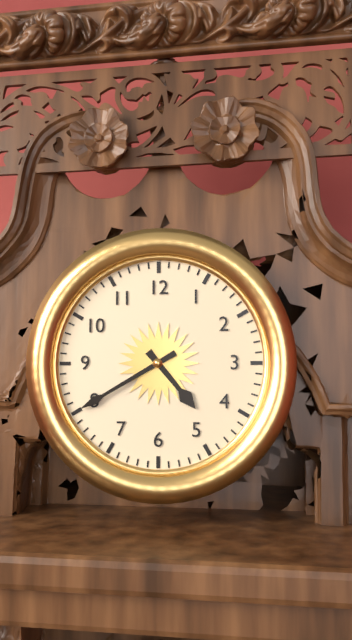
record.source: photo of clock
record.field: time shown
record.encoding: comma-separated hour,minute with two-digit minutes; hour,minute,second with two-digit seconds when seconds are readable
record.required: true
4,40
